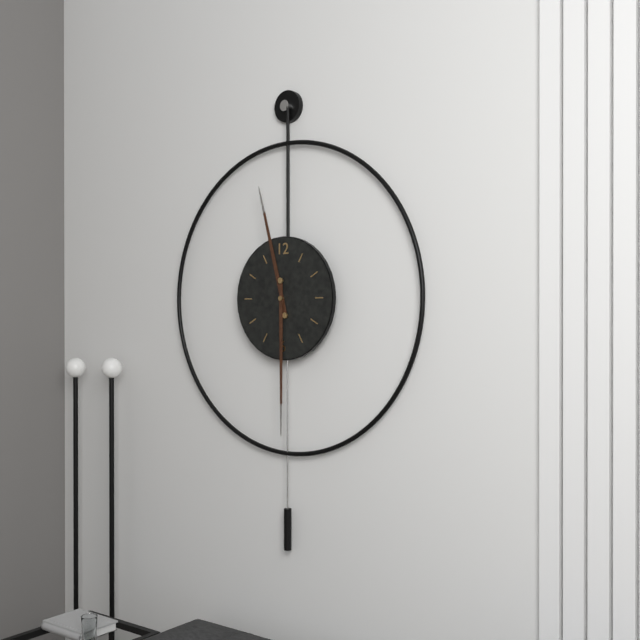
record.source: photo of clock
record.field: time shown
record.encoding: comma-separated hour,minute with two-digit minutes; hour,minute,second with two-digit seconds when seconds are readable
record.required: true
11,30
